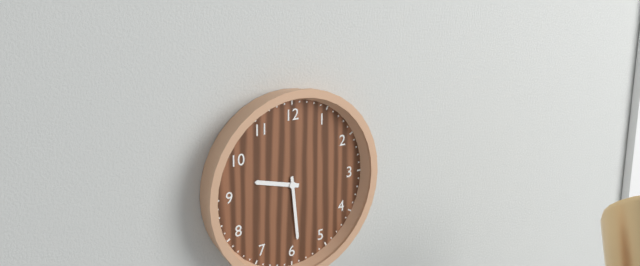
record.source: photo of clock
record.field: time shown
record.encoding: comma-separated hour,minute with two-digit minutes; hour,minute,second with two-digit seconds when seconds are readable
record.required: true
9,29
